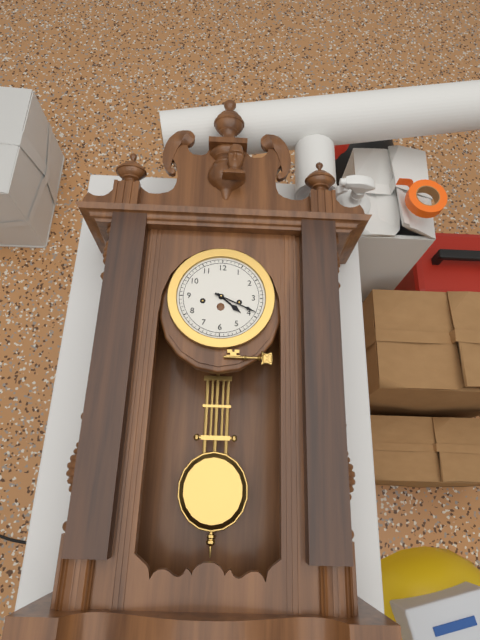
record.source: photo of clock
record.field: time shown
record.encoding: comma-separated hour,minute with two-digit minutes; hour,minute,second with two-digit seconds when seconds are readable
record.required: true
4,19
